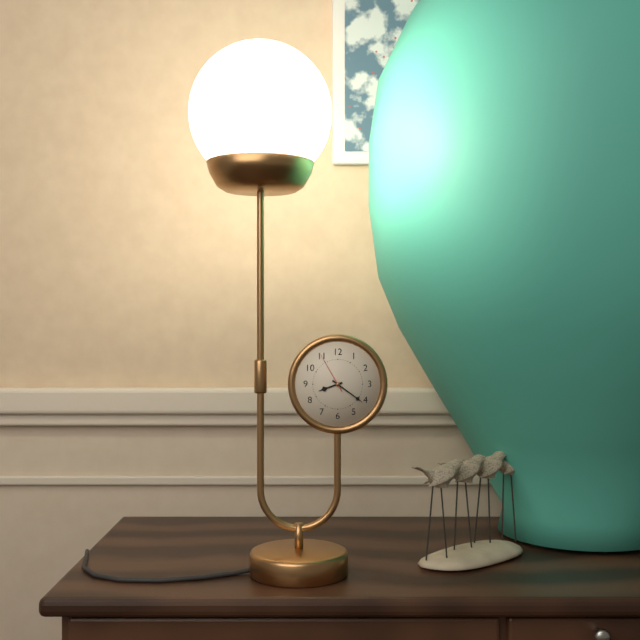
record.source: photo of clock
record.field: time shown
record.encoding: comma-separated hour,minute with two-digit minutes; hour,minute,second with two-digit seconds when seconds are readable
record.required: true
8,21
